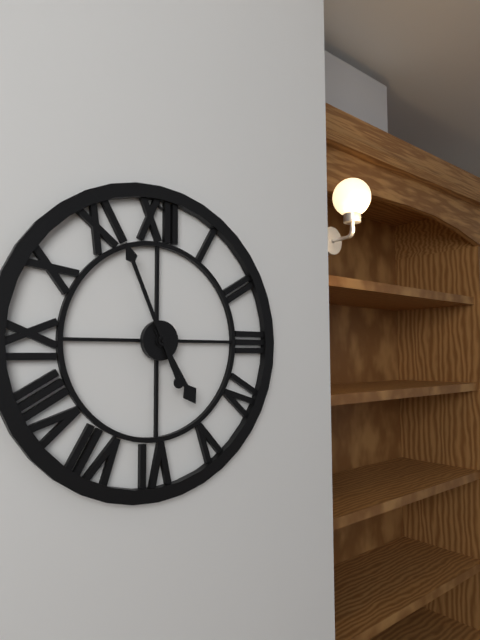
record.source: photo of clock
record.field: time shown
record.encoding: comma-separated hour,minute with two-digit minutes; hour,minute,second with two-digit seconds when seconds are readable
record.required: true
4,56
